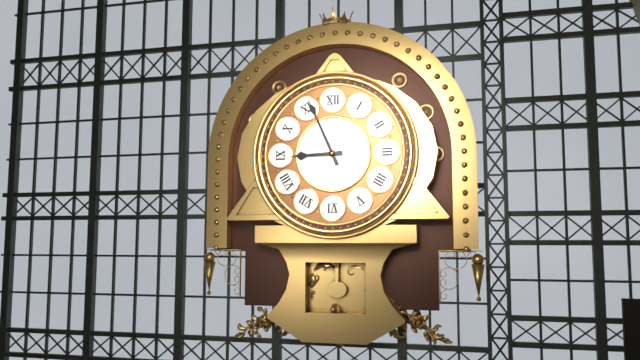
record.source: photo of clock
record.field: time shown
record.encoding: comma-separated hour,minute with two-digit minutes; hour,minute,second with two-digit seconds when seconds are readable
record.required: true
8,56
